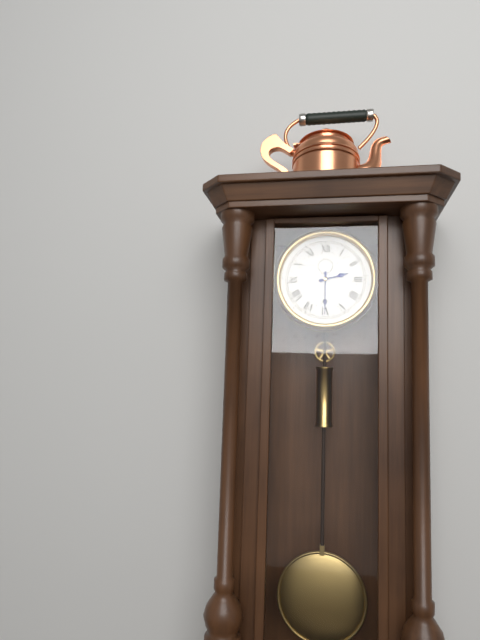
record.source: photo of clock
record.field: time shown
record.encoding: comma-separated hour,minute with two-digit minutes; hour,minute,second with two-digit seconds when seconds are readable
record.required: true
2,30
